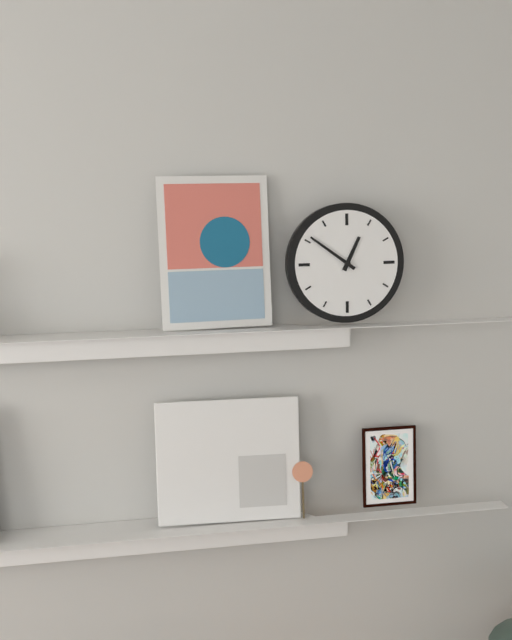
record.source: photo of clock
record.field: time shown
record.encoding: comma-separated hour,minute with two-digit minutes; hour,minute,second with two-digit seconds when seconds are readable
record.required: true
12,51
